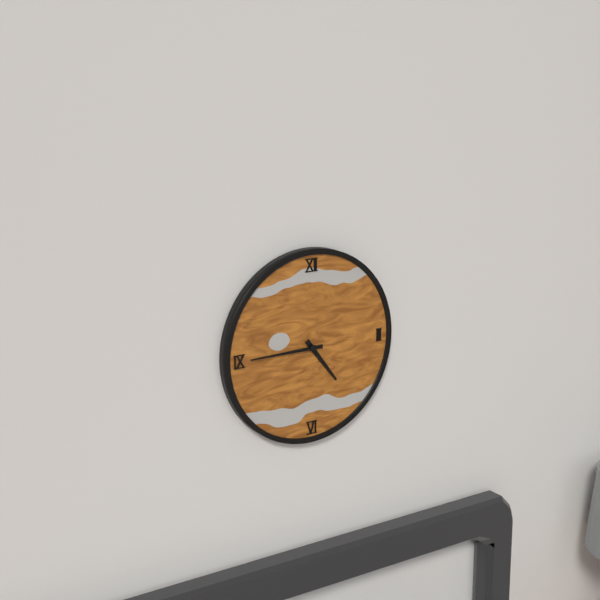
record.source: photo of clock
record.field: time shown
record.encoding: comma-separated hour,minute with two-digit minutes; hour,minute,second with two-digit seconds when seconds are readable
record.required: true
4,45
